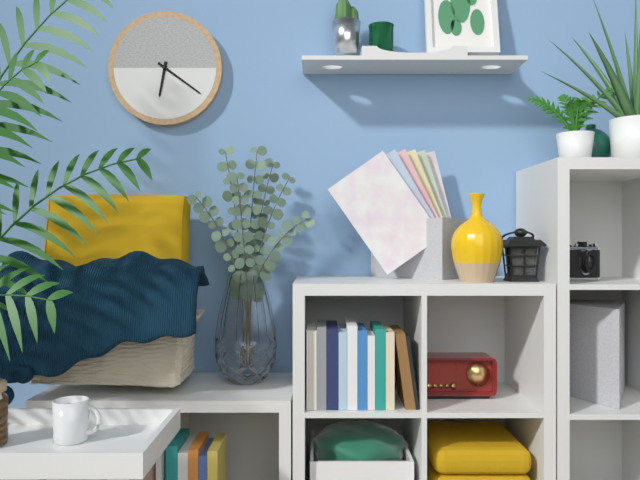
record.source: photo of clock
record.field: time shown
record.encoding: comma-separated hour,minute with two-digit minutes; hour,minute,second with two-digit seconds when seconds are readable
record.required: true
6,21
